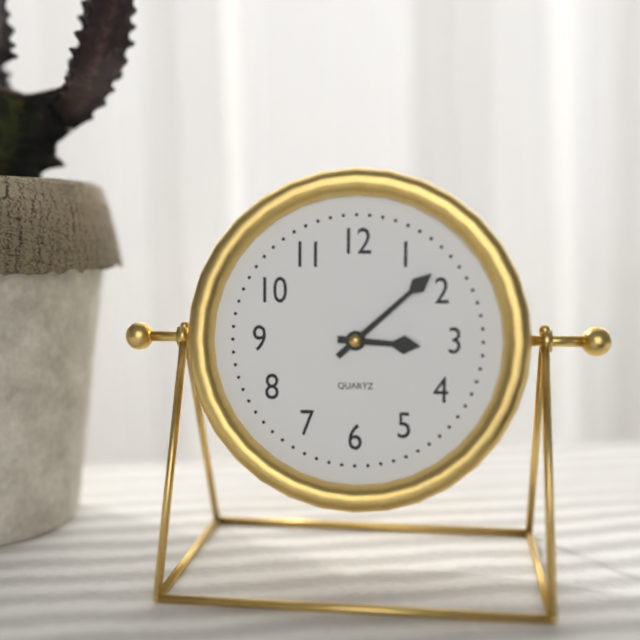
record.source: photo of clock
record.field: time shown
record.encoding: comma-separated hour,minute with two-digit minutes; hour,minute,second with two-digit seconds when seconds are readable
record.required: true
3,08
